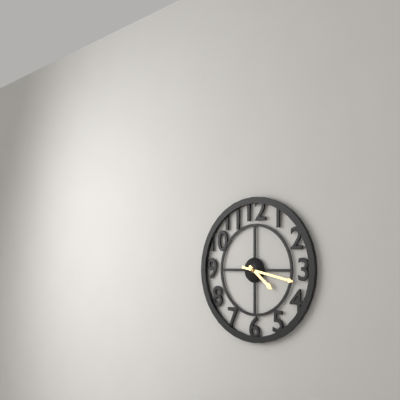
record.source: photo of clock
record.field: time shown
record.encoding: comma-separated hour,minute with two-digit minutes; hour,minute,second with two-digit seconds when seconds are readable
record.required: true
4,17
